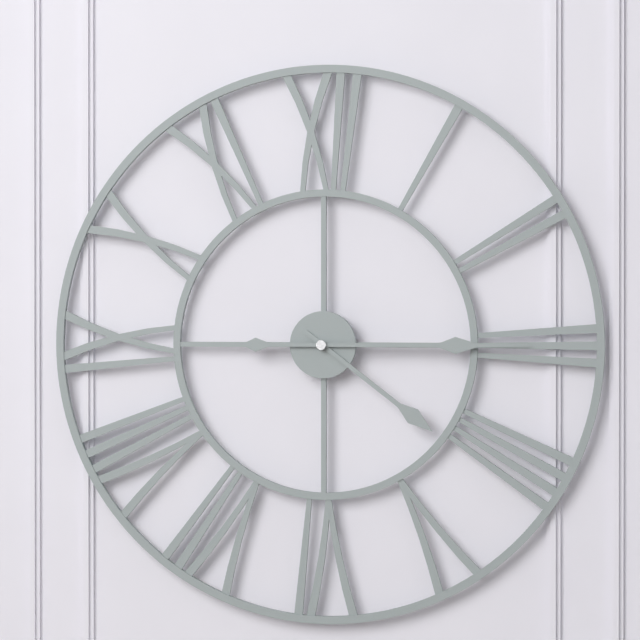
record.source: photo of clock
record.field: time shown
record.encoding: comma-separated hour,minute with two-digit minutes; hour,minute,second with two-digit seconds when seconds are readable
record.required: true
4,15
